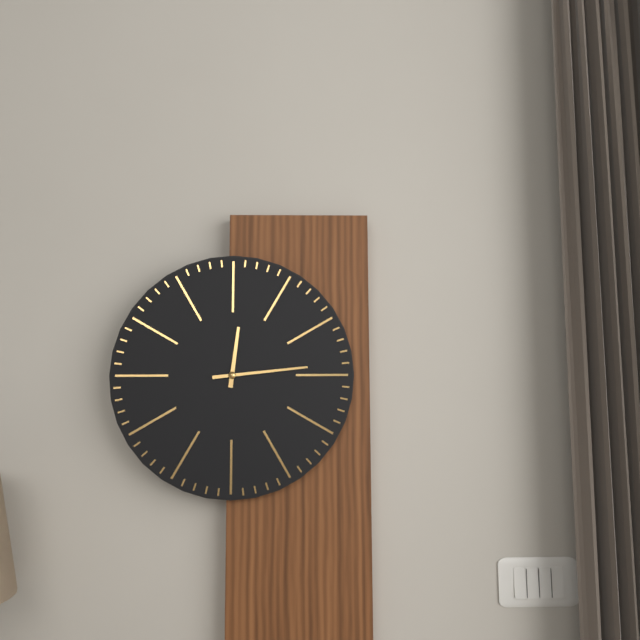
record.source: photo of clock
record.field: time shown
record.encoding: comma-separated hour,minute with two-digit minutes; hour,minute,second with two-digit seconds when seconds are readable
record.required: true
12,14
